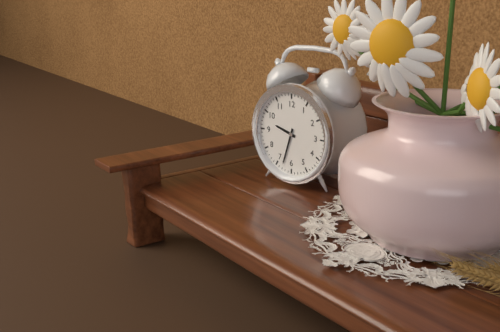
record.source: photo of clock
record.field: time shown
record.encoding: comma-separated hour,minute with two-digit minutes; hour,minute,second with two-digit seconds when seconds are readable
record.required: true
9,33
